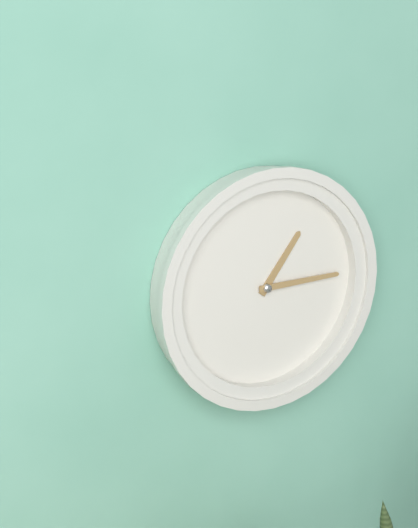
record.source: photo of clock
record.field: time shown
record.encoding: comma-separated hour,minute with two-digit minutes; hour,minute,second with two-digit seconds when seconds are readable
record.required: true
1,15
